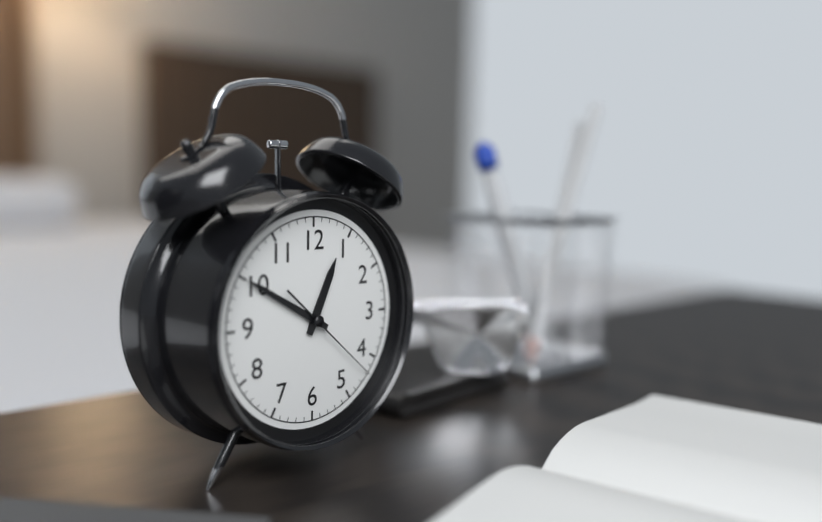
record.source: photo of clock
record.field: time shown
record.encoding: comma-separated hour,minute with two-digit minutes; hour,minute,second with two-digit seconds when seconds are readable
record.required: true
12,50,22
